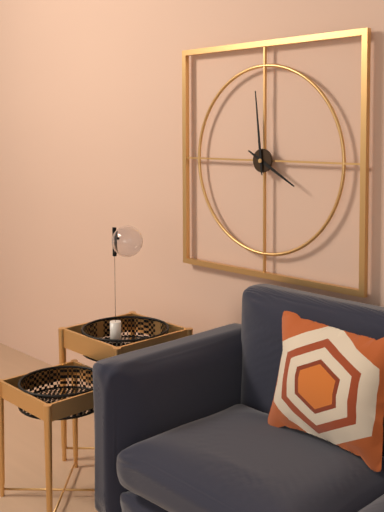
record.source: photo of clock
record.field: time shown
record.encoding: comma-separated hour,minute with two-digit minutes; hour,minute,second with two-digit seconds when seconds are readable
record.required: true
3,59
